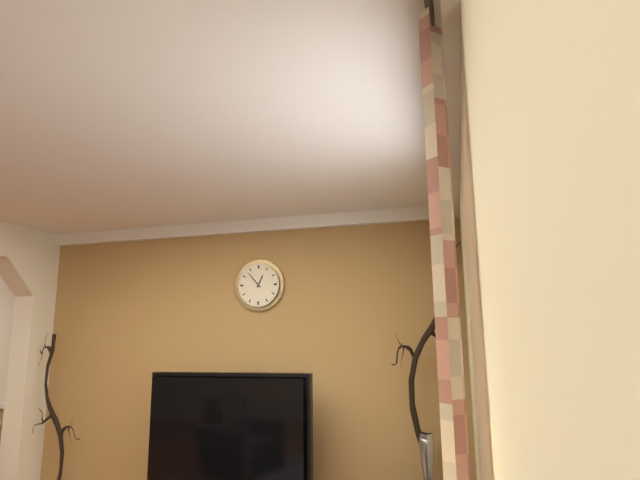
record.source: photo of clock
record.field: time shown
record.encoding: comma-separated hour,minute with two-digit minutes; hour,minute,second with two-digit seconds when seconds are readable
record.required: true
12,53
